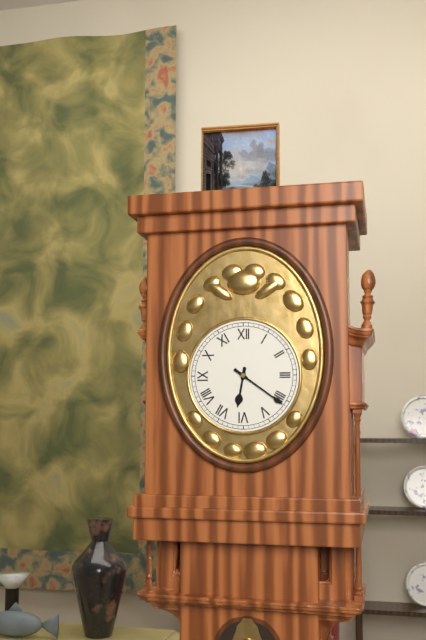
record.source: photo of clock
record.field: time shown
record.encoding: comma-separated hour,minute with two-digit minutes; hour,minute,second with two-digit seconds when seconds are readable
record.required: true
6,21
